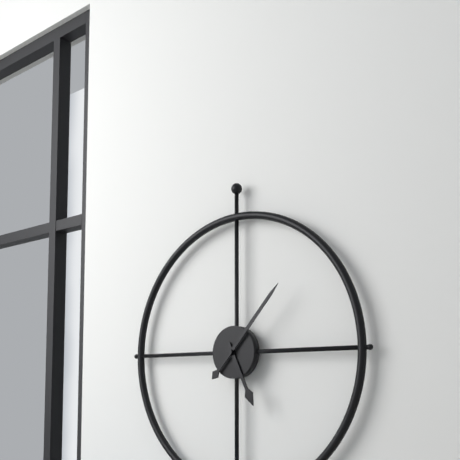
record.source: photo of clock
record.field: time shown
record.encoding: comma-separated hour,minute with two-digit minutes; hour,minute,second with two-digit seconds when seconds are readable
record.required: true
5,07
